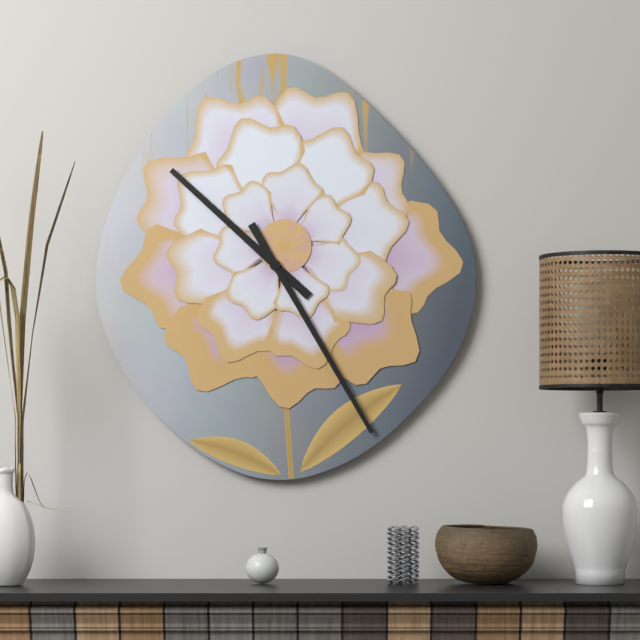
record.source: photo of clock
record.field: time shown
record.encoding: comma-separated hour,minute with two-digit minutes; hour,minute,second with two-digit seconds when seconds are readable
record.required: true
10,25
